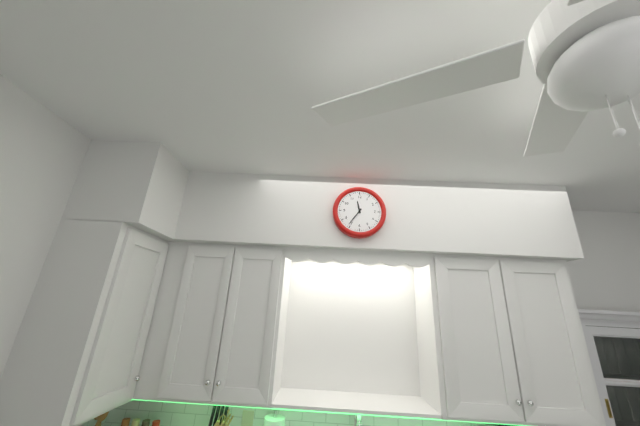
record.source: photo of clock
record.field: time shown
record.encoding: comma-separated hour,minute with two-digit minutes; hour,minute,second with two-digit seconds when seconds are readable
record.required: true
11,36
